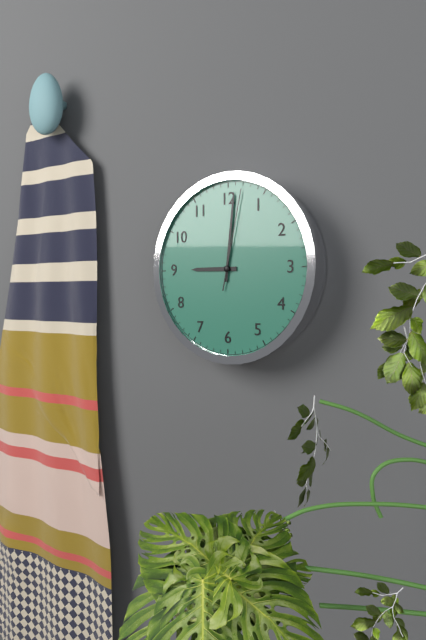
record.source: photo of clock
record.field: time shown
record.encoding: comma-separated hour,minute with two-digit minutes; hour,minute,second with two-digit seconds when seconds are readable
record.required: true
9,01,02
